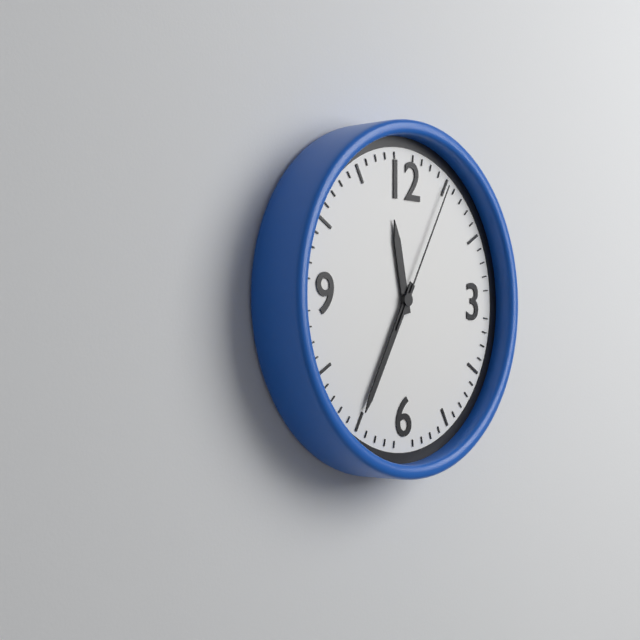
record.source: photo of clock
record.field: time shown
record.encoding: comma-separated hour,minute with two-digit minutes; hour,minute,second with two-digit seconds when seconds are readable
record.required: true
11,35,05
